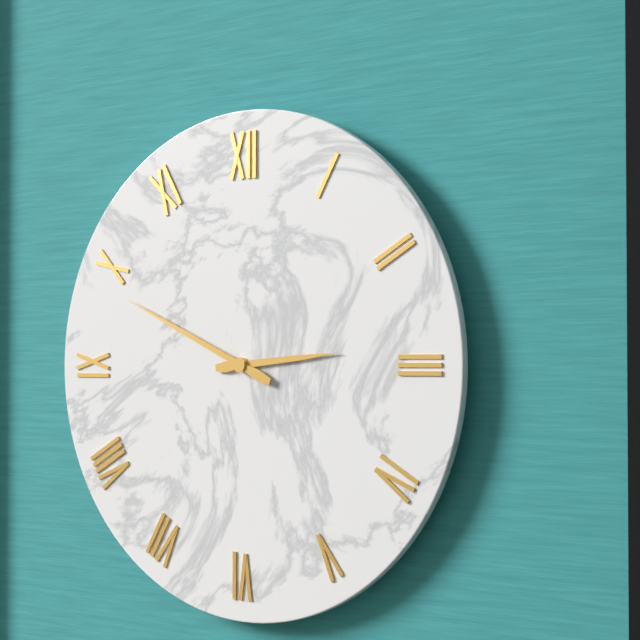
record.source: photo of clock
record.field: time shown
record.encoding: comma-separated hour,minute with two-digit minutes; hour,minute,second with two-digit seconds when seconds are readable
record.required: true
2,49
